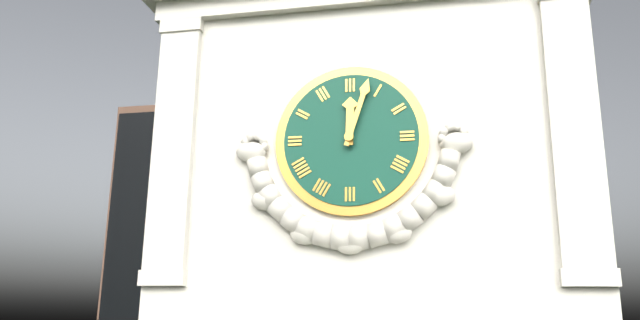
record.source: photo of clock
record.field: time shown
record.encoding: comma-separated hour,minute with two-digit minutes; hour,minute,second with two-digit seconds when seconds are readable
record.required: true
12,03
